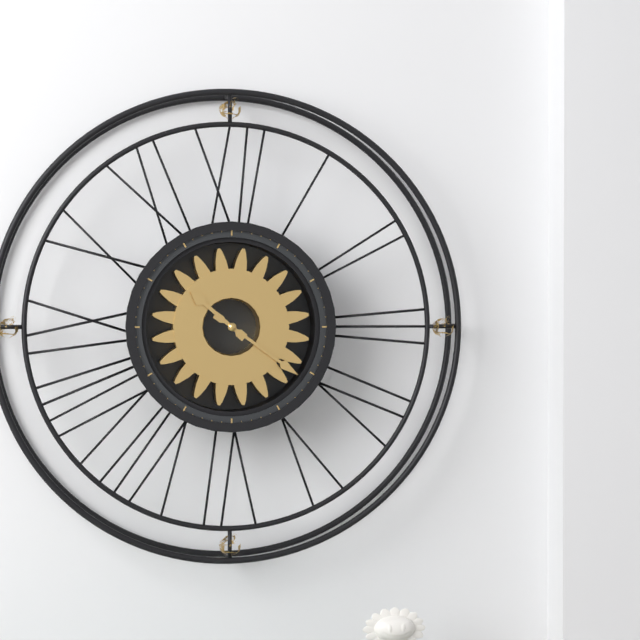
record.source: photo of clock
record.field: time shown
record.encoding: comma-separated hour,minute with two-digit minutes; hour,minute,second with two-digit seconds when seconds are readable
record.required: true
10,21
